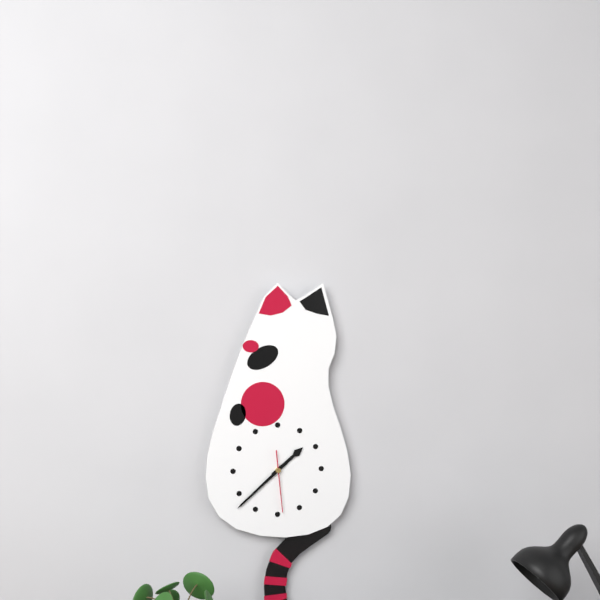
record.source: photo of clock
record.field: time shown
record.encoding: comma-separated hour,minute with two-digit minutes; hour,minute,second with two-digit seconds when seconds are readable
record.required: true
1,38,29
